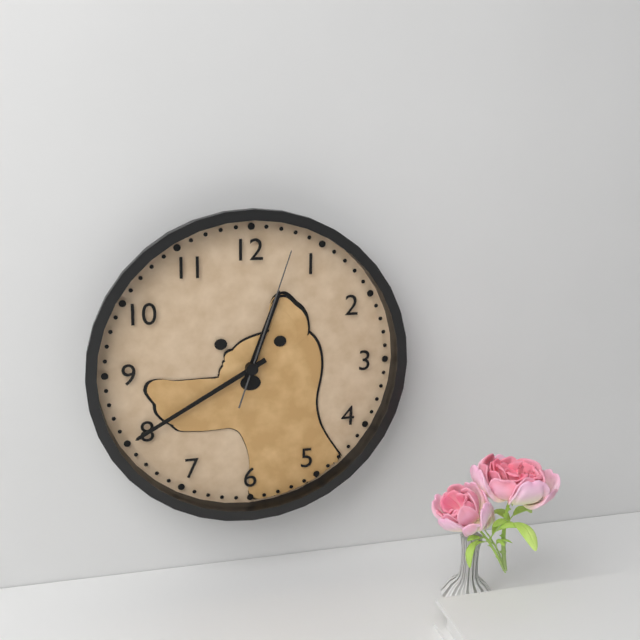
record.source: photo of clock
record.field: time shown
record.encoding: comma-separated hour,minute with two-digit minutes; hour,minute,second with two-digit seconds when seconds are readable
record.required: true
12,40,03
